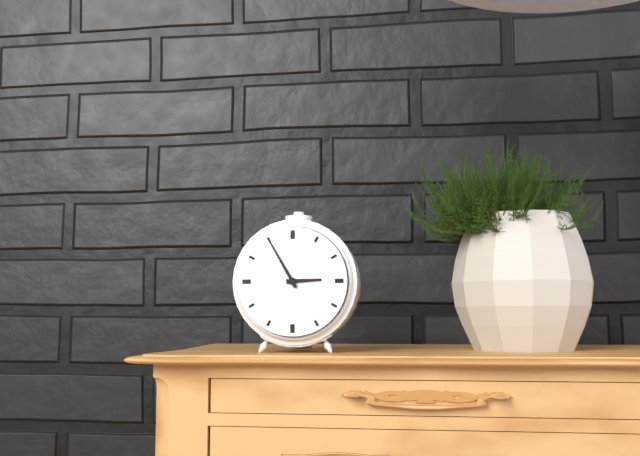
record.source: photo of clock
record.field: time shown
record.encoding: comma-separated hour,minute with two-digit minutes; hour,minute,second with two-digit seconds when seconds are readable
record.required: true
2,55
